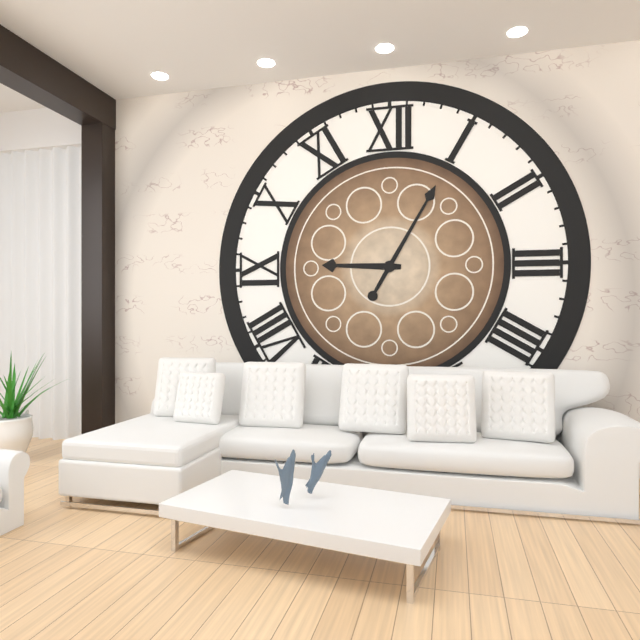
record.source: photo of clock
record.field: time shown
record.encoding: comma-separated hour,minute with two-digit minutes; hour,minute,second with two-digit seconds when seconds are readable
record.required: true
9,05
